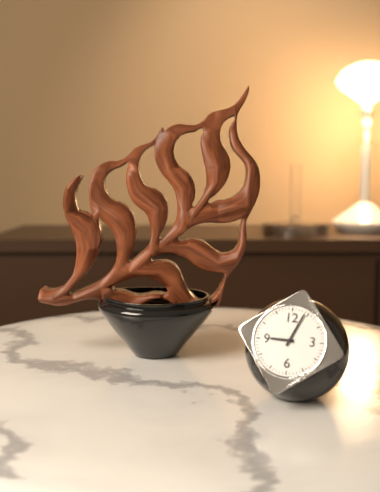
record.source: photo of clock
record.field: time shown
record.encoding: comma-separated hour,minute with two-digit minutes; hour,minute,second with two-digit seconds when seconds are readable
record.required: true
9,04
